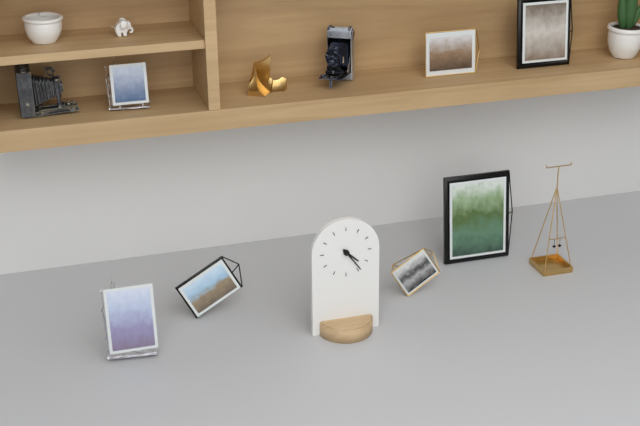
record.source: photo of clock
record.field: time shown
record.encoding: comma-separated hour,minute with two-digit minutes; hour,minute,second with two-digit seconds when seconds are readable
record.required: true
4,24
